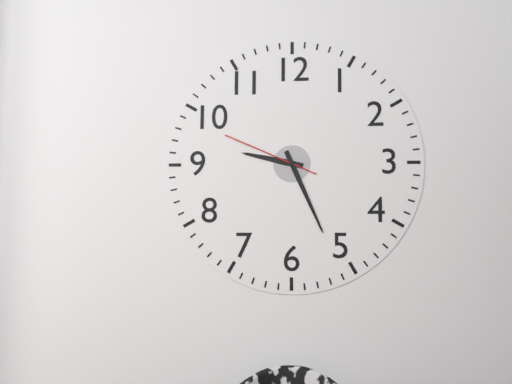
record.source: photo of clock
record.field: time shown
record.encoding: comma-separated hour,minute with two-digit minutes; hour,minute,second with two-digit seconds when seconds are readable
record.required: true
9,26,49
